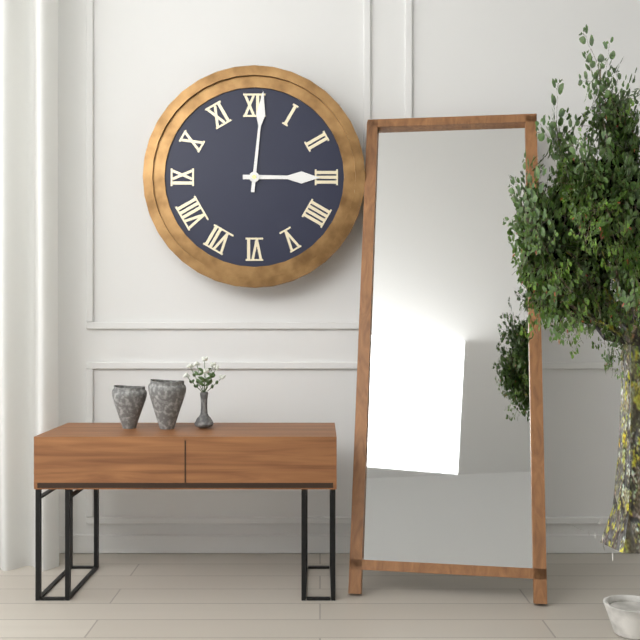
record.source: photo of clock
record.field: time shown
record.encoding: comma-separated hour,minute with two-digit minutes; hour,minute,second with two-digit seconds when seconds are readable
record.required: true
3,01
